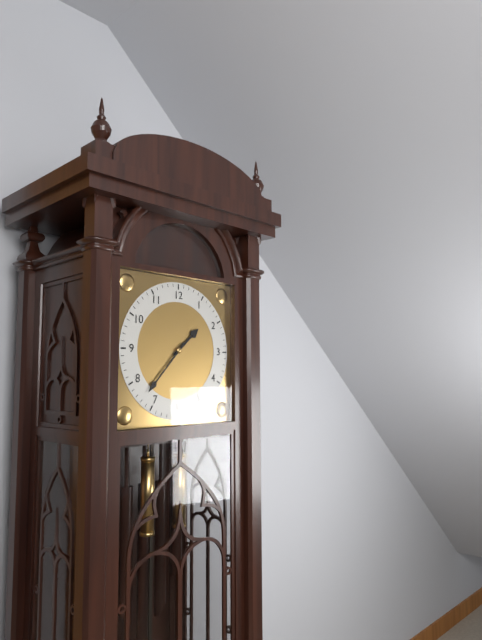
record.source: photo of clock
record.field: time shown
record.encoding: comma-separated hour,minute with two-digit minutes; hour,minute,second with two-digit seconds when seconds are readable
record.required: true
1,37
